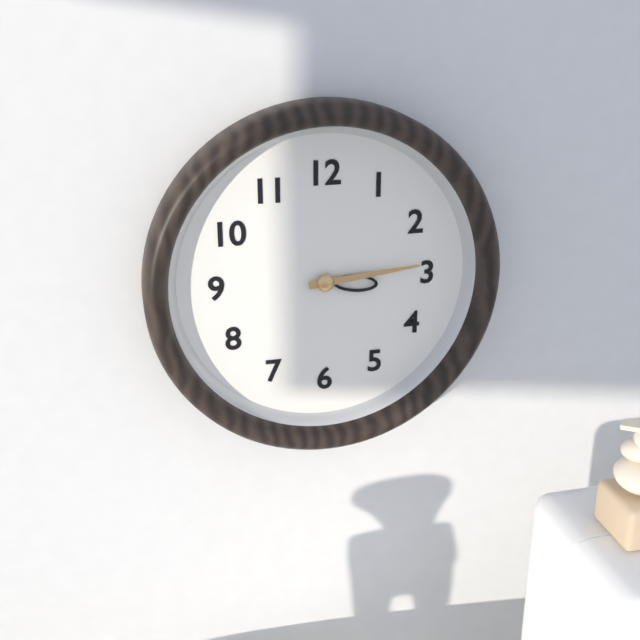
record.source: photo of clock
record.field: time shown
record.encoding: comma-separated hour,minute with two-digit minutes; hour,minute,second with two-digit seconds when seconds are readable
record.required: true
3,14
